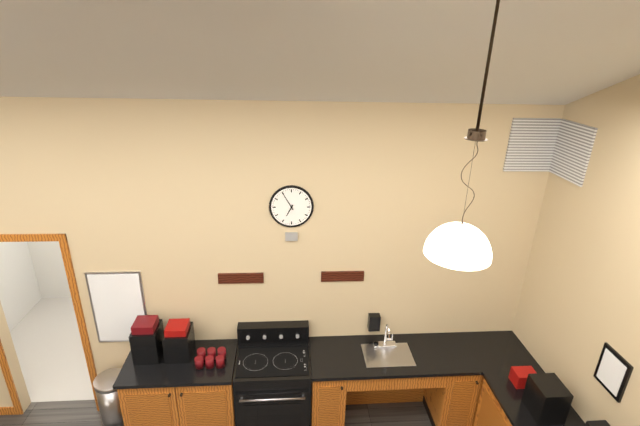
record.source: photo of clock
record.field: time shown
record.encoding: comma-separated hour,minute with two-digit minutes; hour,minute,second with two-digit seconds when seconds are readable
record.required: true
6,55
